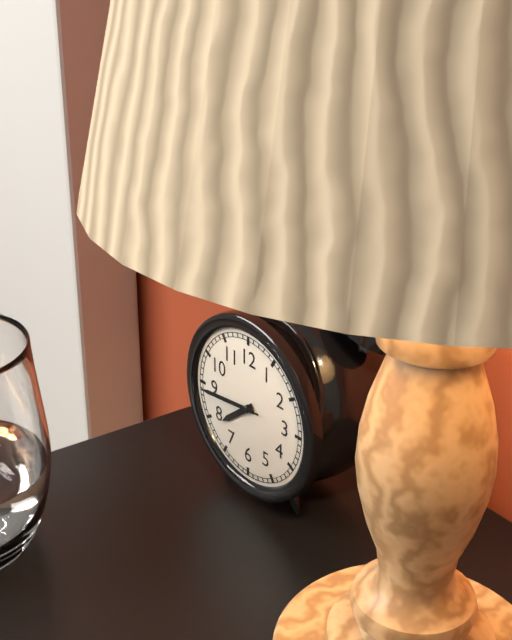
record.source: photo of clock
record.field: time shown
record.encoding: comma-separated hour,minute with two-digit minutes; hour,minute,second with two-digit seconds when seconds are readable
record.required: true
7,44,44
